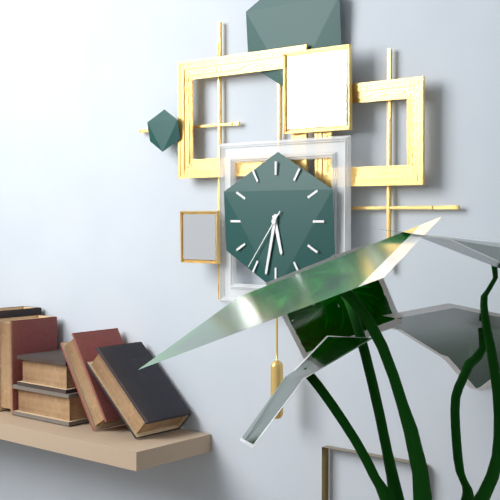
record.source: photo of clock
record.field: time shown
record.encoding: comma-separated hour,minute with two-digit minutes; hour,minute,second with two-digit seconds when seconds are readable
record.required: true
5,32,36
